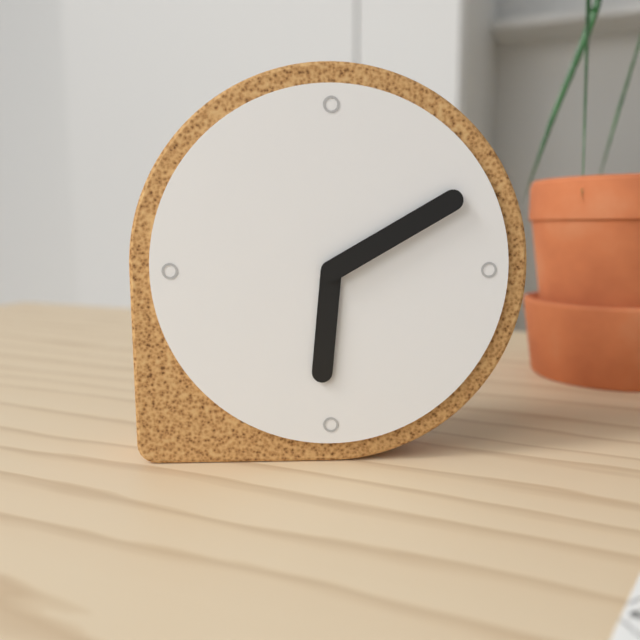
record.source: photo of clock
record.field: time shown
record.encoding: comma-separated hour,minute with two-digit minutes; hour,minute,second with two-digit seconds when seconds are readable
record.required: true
6,10
